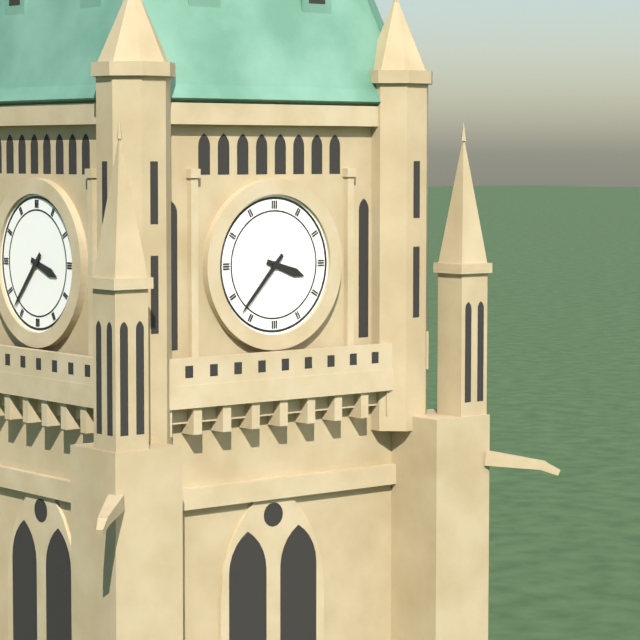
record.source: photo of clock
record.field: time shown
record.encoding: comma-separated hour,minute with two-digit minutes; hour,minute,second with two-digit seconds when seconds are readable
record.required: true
3,37
